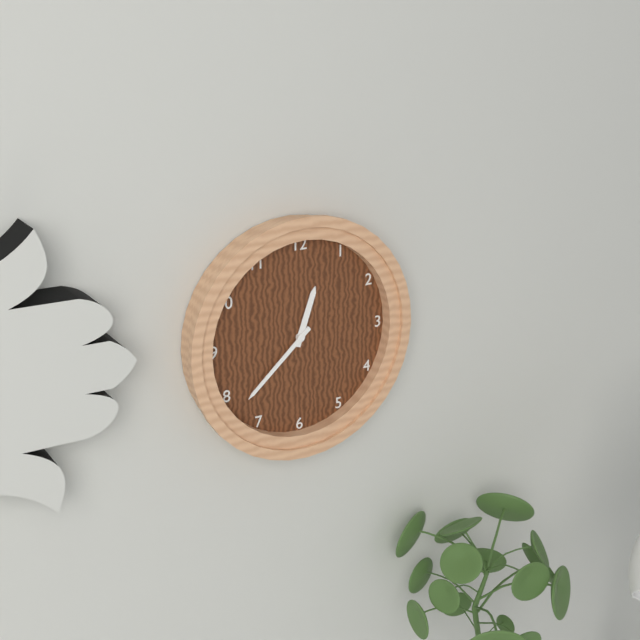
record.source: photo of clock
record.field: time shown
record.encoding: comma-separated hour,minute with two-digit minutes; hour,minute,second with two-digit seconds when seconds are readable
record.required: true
12,38
